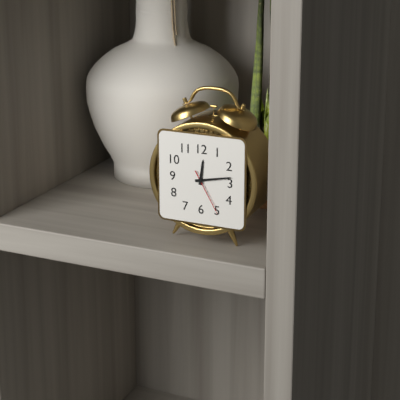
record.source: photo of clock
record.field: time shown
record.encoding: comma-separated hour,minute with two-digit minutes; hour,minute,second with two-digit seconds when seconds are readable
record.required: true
12,13
